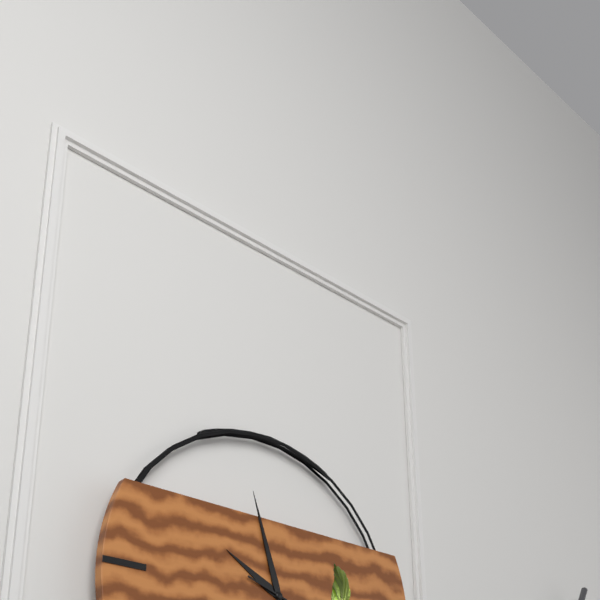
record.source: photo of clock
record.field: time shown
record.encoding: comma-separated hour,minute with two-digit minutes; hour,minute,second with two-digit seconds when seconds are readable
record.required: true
9,57
